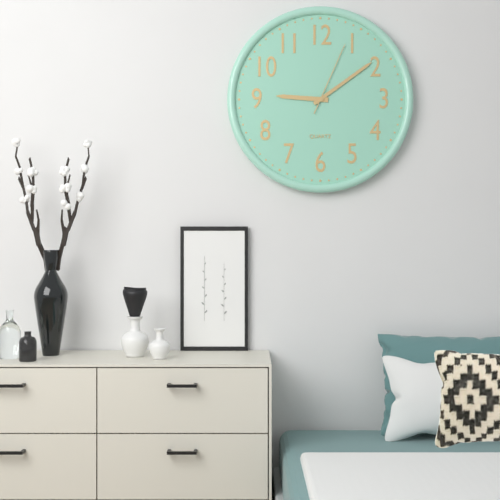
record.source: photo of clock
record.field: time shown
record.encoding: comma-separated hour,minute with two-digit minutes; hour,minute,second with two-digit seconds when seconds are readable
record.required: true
9,09,04
